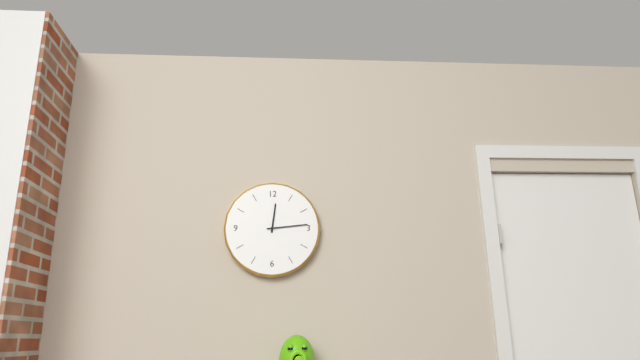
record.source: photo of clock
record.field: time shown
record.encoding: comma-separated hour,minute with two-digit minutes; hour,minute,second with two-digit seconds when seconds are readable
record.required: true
12,14
